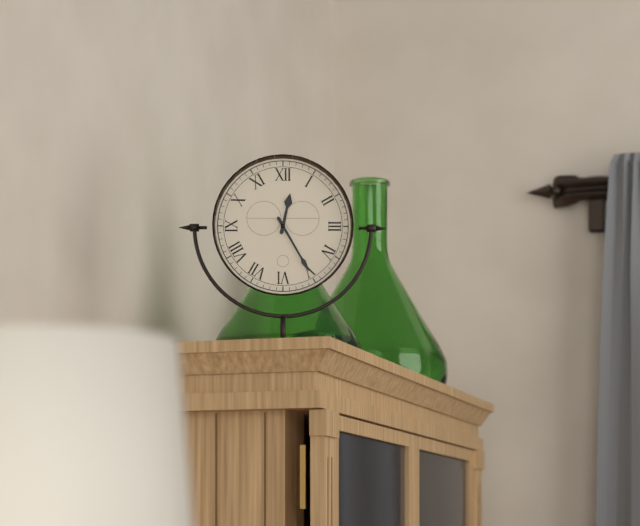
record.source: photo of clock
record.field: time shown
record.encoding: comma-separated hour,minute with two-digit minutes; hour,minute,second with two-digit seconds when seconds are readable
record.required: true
12,25
